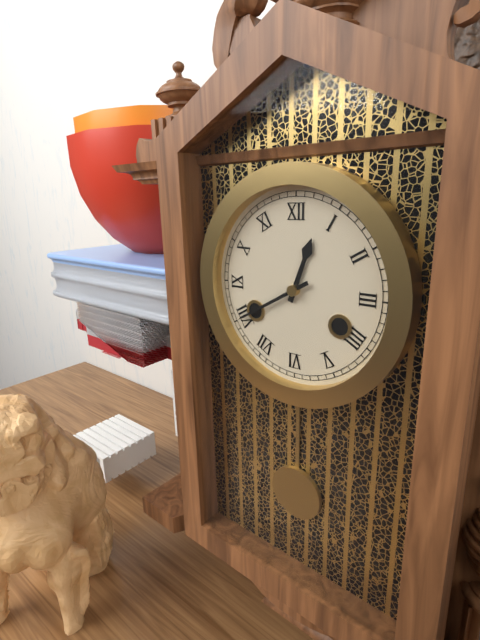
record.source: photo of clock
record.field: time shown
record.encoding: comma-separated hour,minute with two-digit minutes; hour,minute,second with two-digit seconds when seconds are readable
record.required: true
12,40
